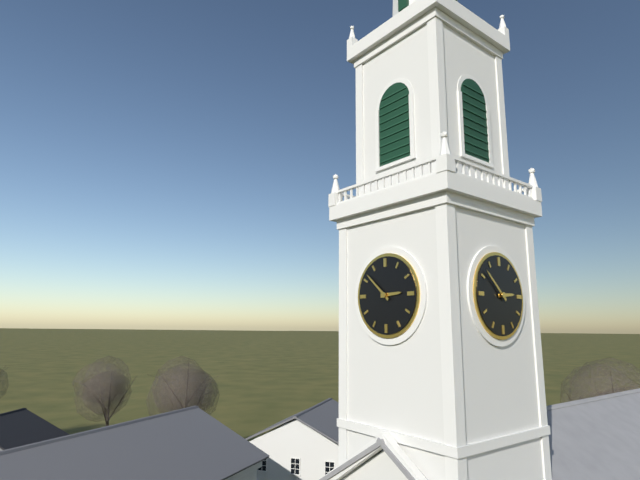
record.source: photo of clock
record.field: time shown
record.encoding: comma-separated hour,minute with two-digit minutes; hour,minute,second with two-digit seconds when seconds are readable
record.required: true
2,52
